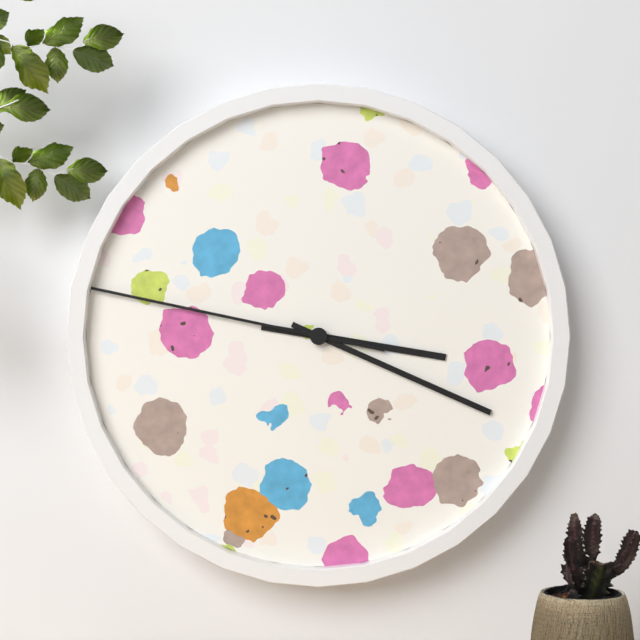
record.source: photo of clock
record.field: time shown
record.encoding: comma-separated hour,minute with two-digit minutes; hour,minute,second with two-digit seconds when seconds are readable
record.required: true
3,19,47
